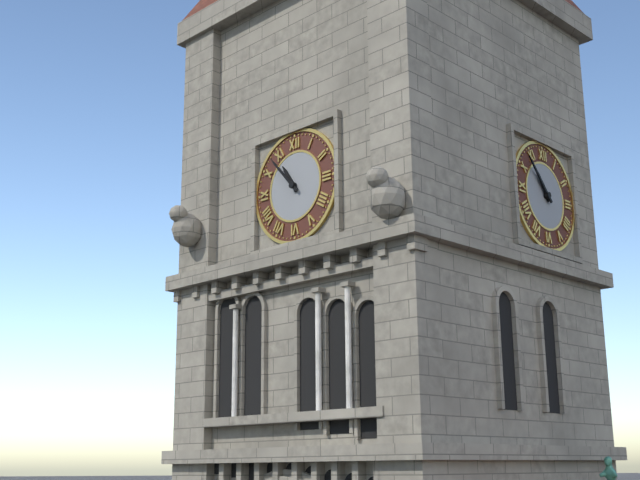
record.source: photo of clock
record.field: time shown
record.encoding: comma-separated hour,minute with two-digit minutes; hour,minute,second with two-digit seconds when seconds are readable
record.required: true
10,53
